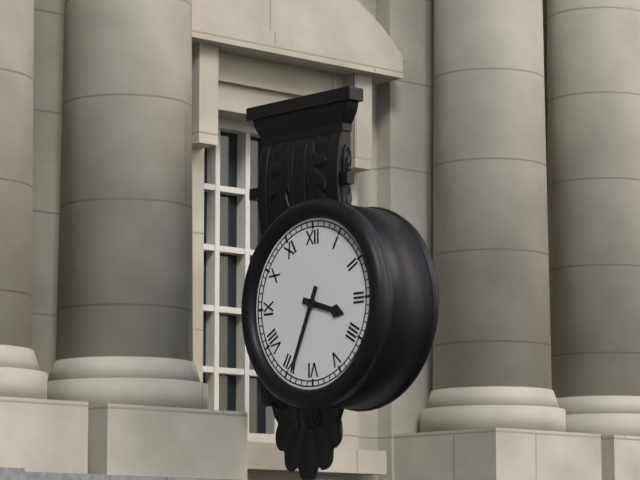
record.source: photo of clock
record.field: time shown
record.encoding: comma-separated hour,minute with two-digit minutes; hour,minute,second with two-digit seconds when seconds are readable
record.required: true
3,34
